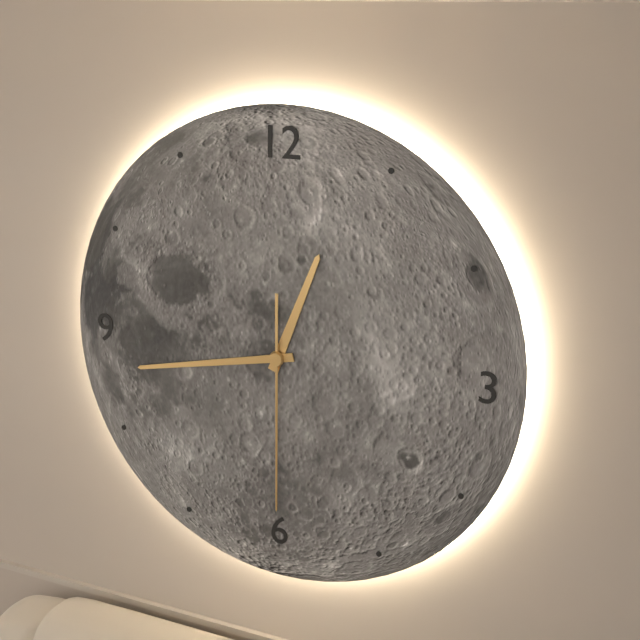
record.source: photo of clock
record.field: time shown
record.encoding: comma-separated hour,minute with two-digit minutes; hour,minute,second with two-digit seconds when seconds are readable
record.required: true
12,43,30
